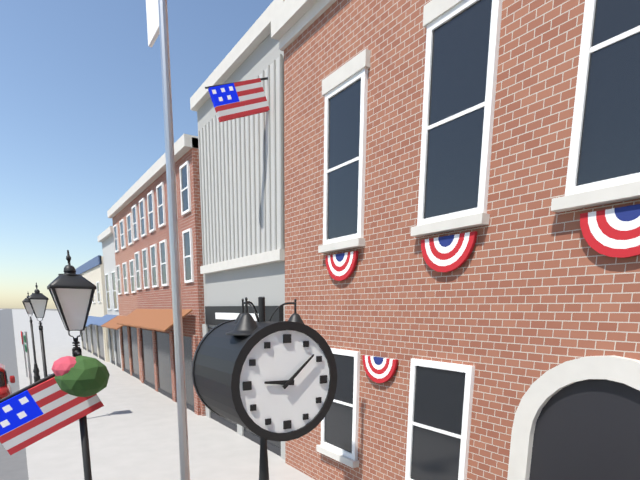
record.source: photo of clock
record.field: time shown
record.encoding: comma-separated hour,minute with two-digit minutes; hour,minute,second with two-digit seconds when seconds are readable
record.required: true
9,08
